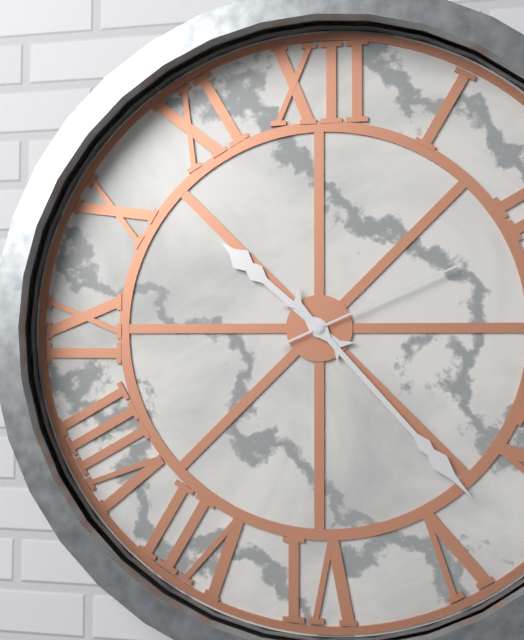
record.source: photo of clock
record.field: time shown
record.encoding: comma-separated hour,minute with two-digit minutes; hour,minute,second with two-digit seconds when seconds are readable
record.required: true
10,23,11
